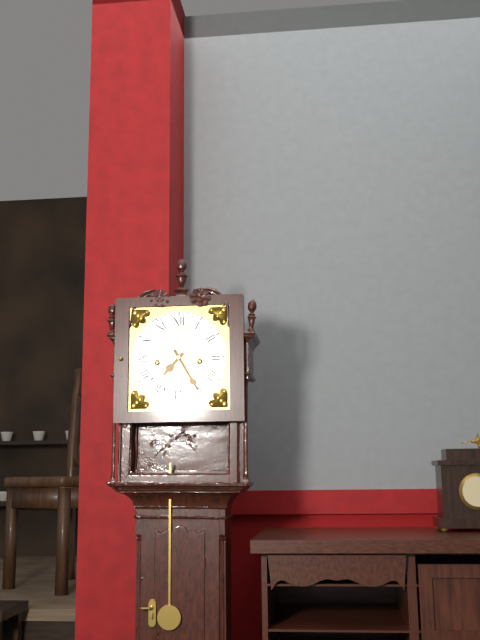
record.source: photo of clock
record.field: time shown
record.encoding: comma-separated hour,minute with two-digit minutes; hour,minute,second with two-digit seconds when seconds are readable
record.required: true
7,25
